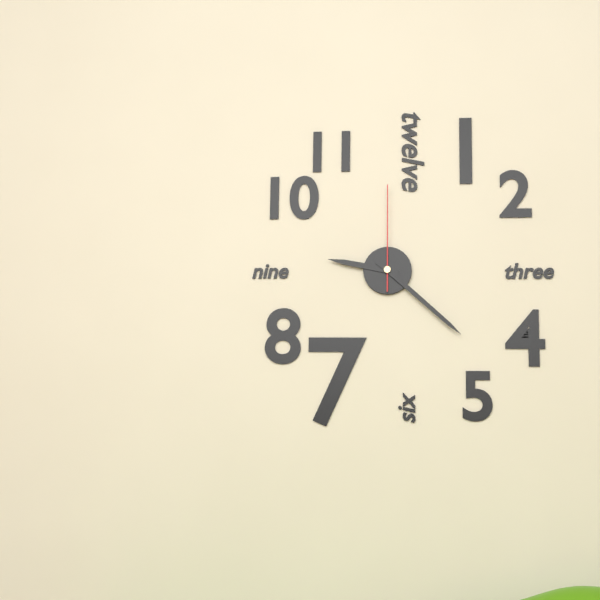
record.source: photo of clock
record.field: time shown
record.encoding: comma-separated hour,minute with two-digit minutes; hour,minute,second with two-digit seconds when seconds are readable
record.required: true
9,22,00
